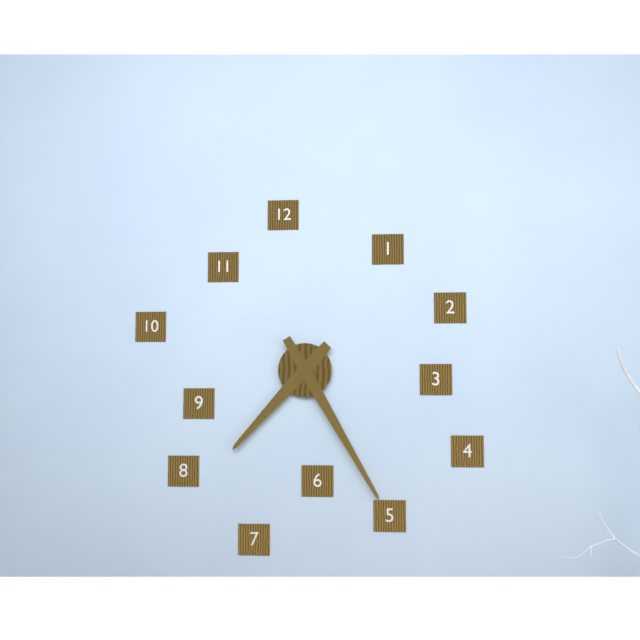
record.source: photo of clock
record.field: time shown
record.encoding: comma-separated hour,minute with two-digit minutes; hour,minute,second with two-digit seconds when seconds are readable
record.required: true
7,25
